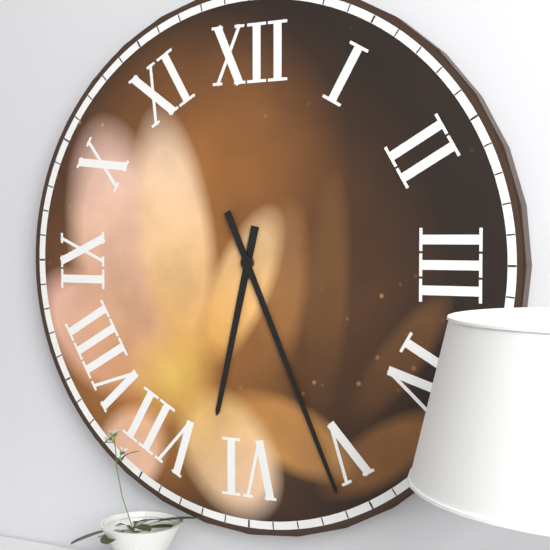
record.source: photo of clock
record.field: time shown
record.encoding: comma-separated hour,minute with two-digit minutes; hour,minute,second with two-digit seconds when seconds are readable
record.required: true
6,26
